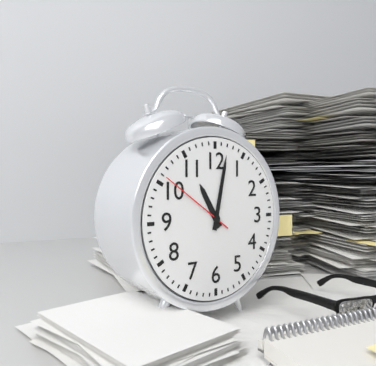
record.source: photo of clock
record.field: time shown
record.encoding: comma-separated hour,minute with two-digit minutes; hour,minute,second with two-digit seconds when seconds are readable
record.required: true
11,02,51
